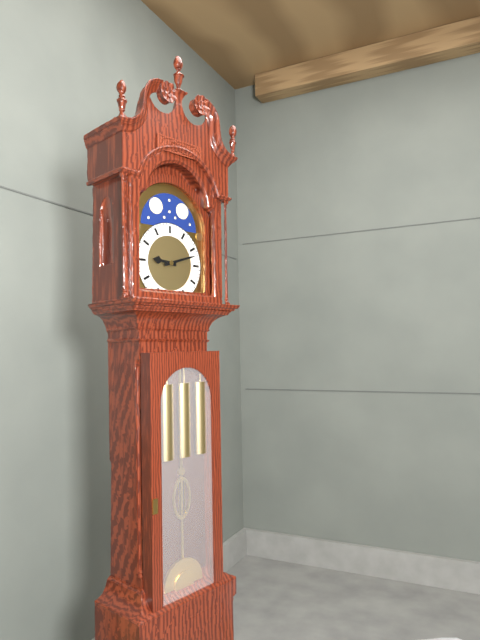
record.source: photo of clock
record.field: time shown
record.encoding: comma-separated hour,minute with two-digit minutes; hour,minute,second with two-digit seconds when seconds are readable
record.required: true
9,12
